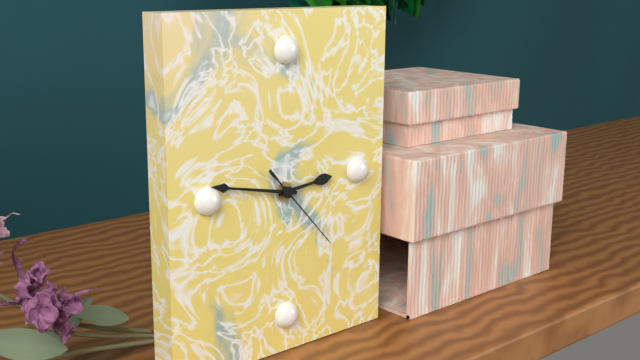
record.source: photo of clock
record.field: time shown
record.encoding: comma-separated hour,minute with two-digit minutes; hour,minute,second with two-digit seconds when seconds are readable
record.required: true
2,47,23
